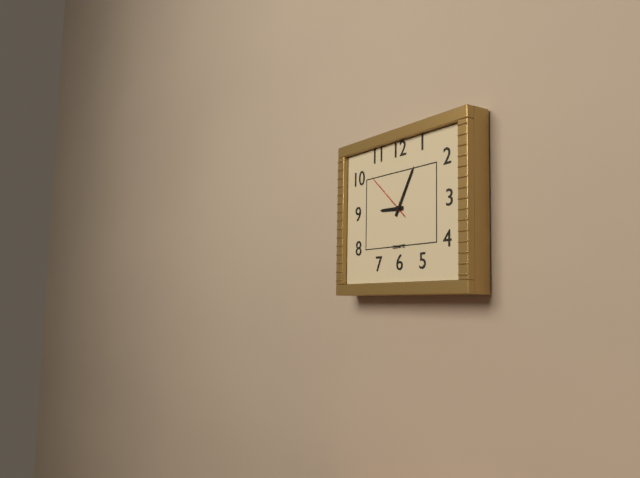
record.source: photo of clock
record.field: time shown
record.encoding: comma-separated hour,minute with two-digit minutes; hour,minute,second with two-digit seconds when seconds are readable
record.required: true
9,05,52
